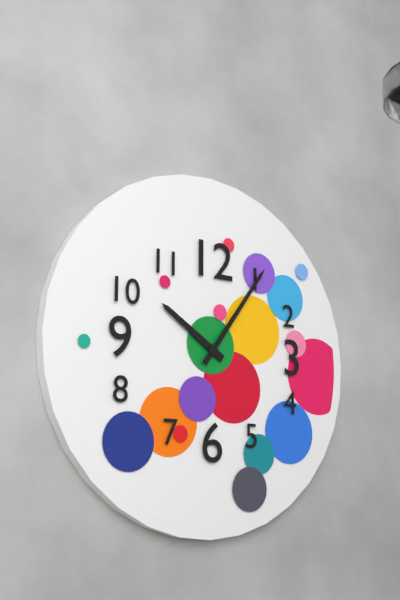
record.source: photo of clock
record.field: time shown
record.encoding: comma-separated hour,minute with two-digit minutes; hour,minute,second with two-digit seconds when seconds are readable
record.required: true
10,06
